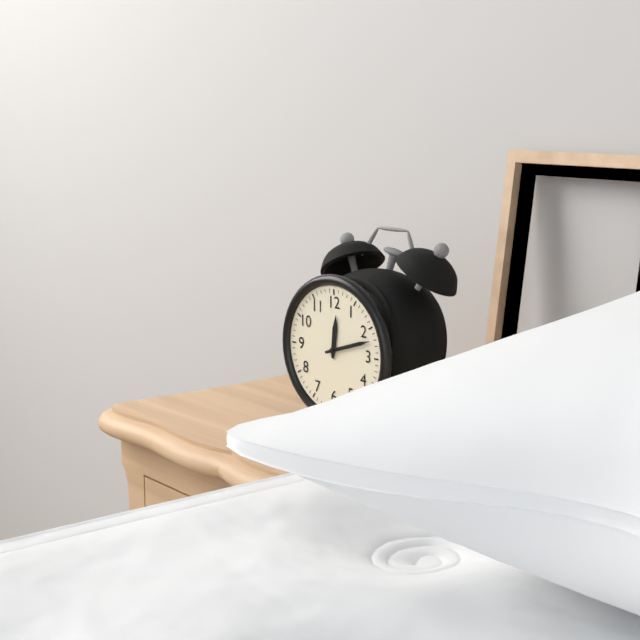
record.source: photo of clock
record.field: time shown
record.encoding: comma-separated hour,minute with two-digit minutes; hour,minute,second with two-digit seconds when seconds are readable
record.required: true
12,12
